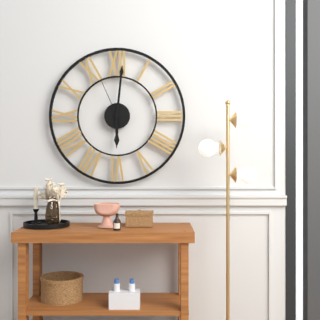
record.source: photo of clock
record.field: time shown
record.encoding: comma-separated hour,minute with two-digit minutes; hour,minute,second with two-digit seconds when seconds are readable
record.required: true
6,01,56
